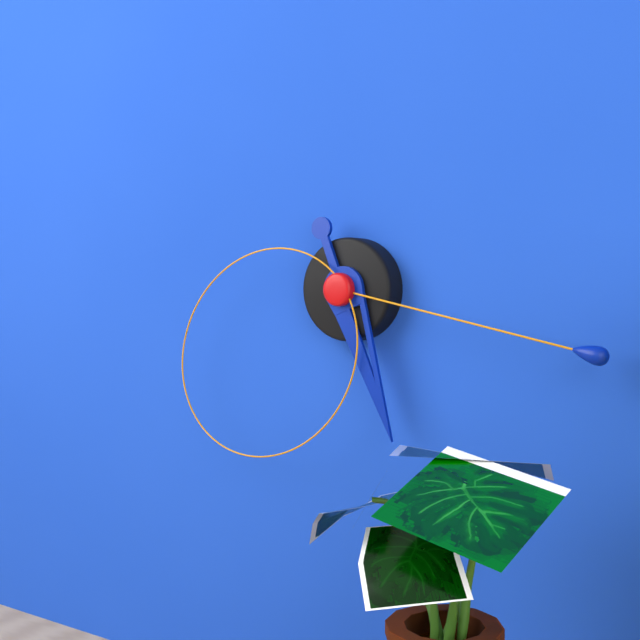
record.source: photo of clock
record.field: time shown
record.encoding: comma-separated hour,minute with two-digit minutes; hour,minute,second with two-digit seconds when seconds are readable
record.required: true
5,17,39
